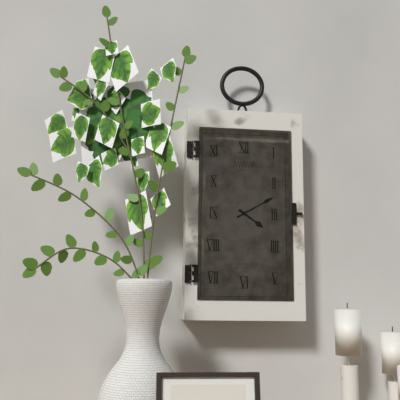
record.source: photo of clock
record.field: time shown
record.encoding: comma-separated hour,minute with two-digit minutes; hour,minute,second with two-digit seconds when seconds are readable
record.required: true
4,10
